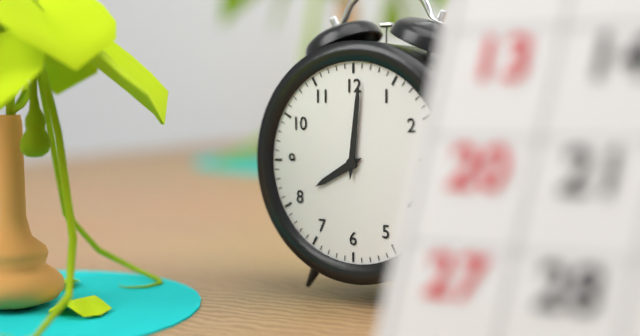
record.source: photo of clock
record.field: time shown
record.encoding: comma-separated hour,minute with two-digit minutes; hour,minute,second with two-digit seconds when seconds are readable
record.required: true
8,01
